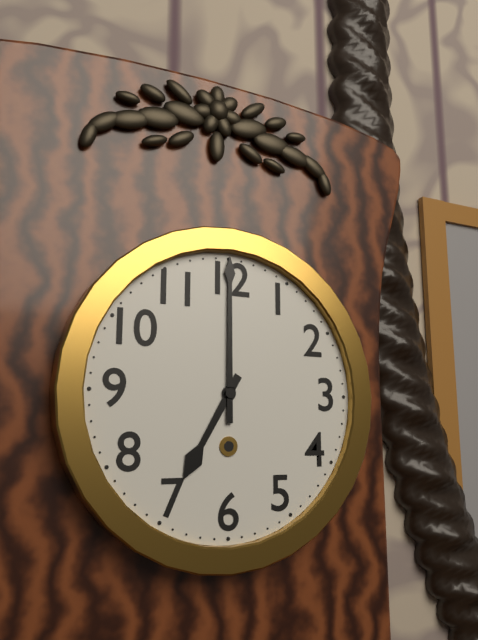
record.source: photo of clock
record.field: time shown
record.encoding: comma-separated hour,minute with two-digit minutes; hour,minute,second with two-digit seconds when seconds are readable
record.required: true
7,00
